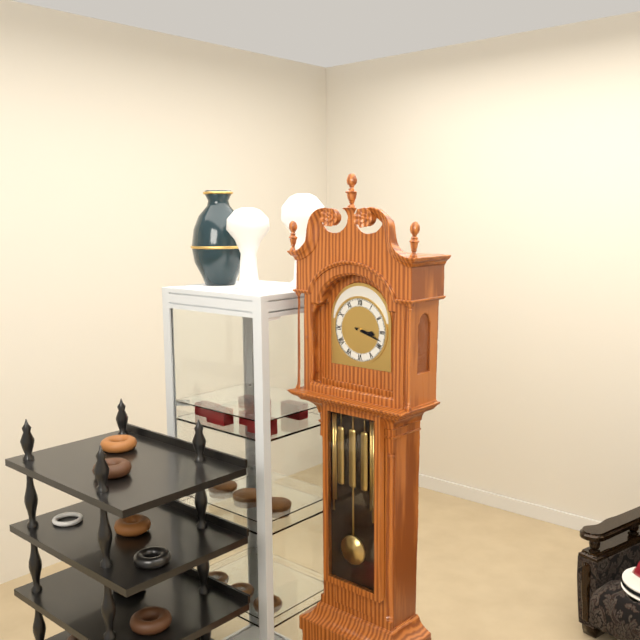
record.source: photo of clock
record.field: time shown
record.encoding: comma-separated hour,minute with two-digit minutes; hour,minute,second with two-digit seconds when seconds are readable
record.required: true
3,18
